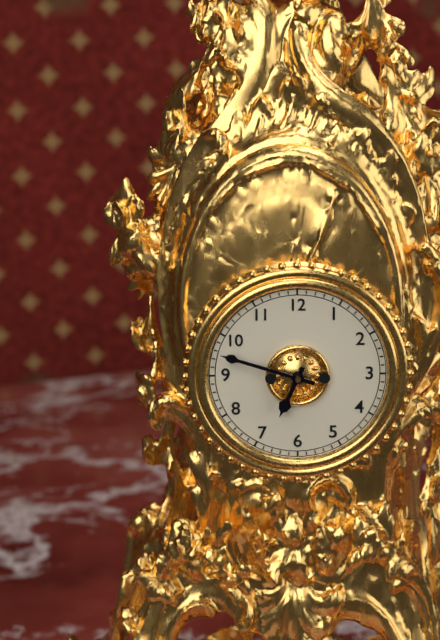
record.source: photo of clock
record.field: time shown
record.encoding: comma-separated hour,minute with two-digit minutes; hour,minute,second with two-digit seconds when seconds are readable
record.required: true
6,48
